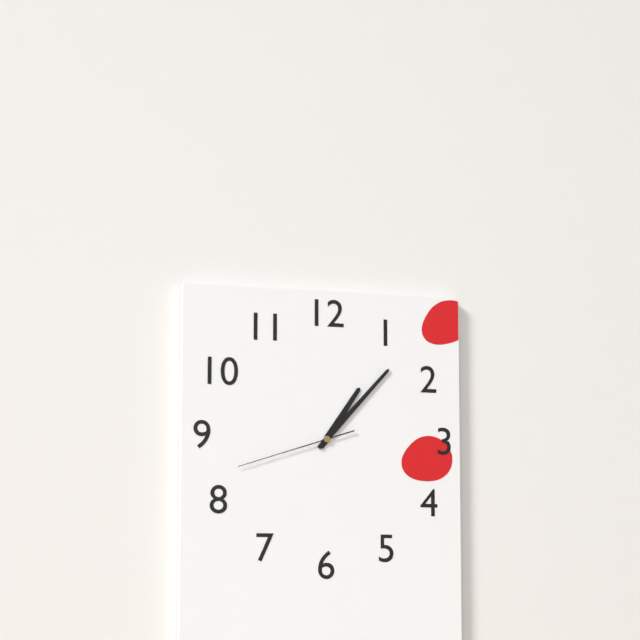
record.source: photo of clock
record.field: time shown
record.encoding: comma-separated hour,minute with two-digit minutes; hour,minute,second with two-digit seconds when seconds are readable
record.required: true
1,07,42
